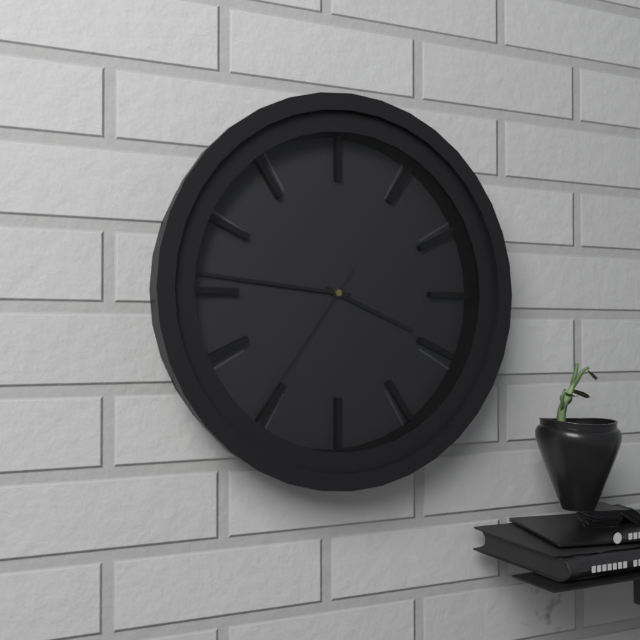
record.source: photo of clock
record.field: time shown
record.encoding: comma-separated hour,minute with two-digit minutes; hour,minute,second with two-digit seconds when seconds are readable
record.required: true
3,46,36
